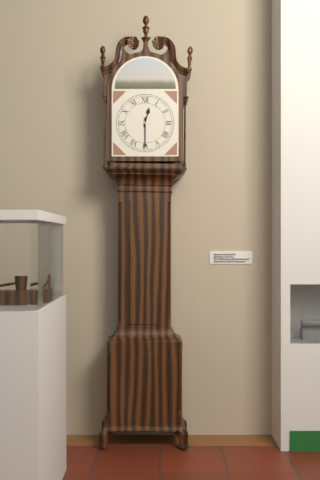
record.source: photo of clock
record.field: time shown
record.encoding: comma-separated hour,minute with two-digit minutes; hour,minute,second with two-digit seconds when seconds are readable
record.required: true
12,30
